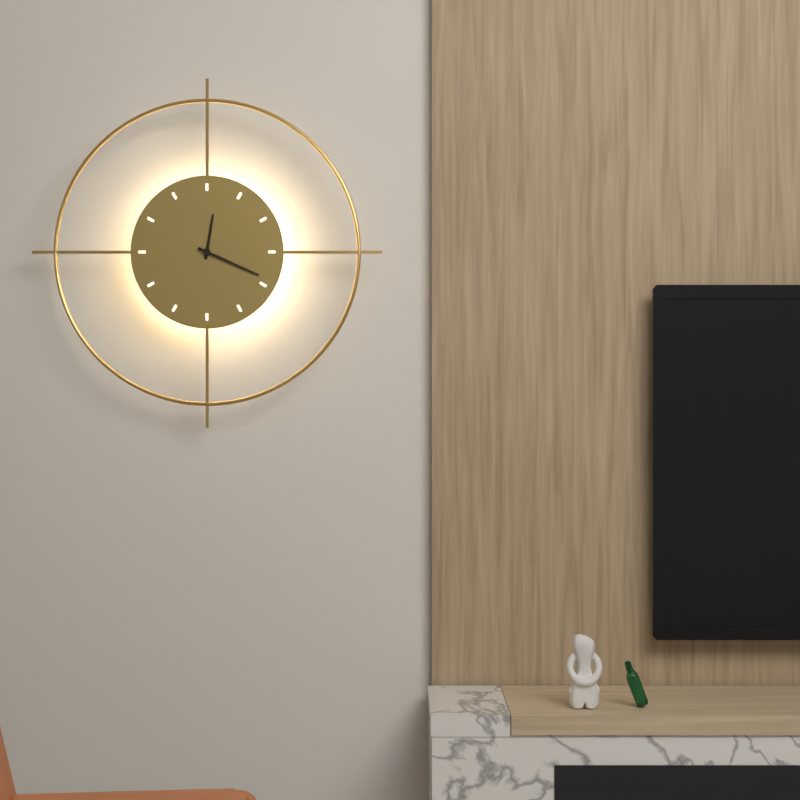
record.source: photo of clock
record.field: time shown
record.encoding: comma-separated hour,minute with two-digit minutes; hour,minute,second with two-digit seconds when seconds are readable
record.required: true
12,19
